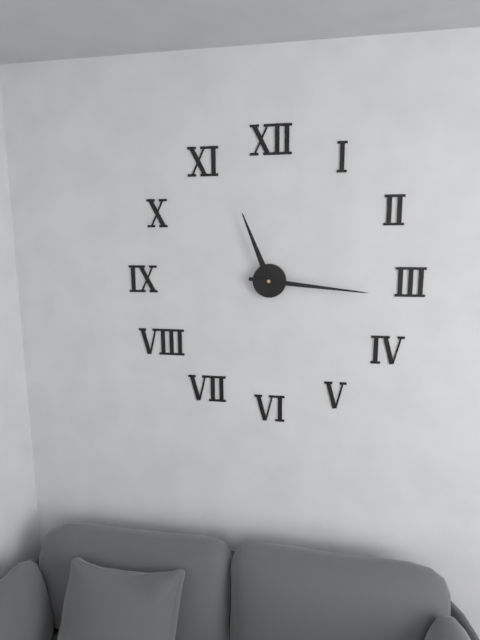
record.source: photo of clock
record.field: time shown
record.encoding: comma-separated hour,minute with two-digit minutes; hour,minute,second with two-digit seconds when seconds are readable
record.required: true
11,16
